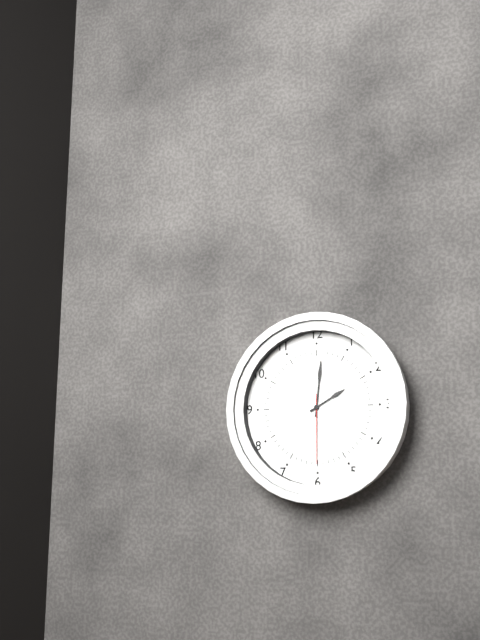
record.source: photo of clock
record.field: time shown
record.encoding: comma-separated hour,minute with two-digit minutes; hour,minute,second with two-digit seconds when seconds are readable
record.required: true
2,01,30
